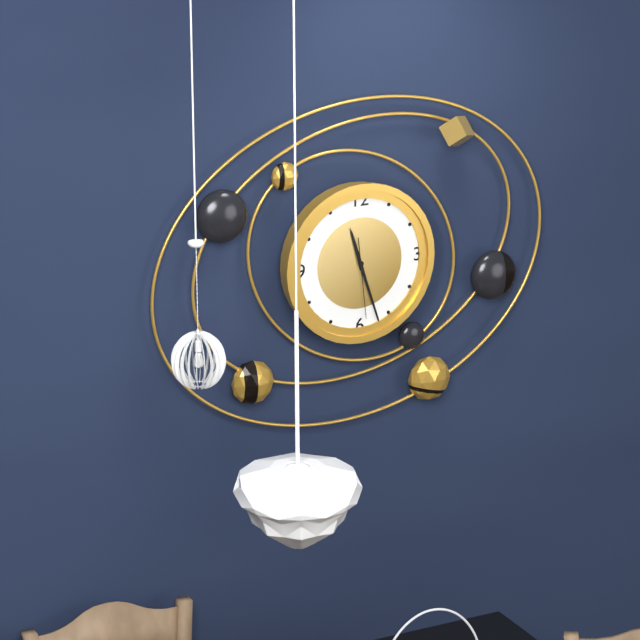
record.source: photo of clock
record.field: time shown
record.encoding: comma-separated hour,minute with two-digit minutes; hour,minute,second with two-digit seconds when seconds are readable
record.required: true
11,27,29
